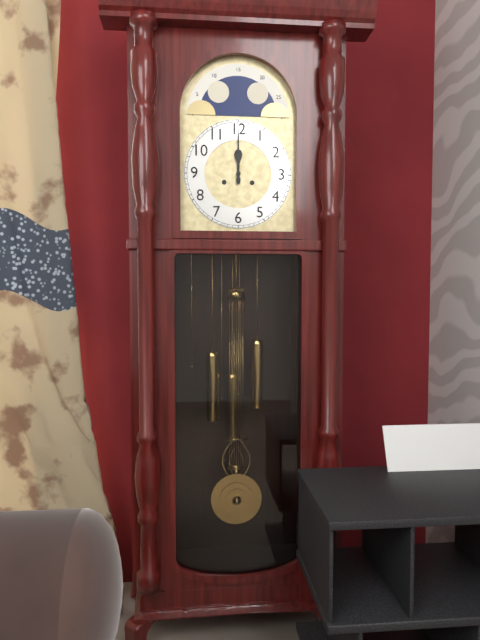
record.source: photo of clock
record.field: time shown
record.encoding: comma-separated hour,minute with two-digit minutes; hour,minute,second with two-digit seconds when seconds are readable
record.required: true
12,00
